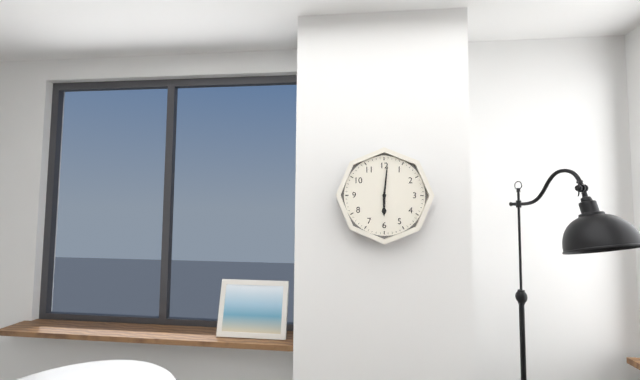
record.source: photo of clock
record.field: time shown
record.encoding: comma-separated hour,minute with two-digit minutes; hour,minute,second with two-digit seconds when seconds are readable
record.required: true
6,01
